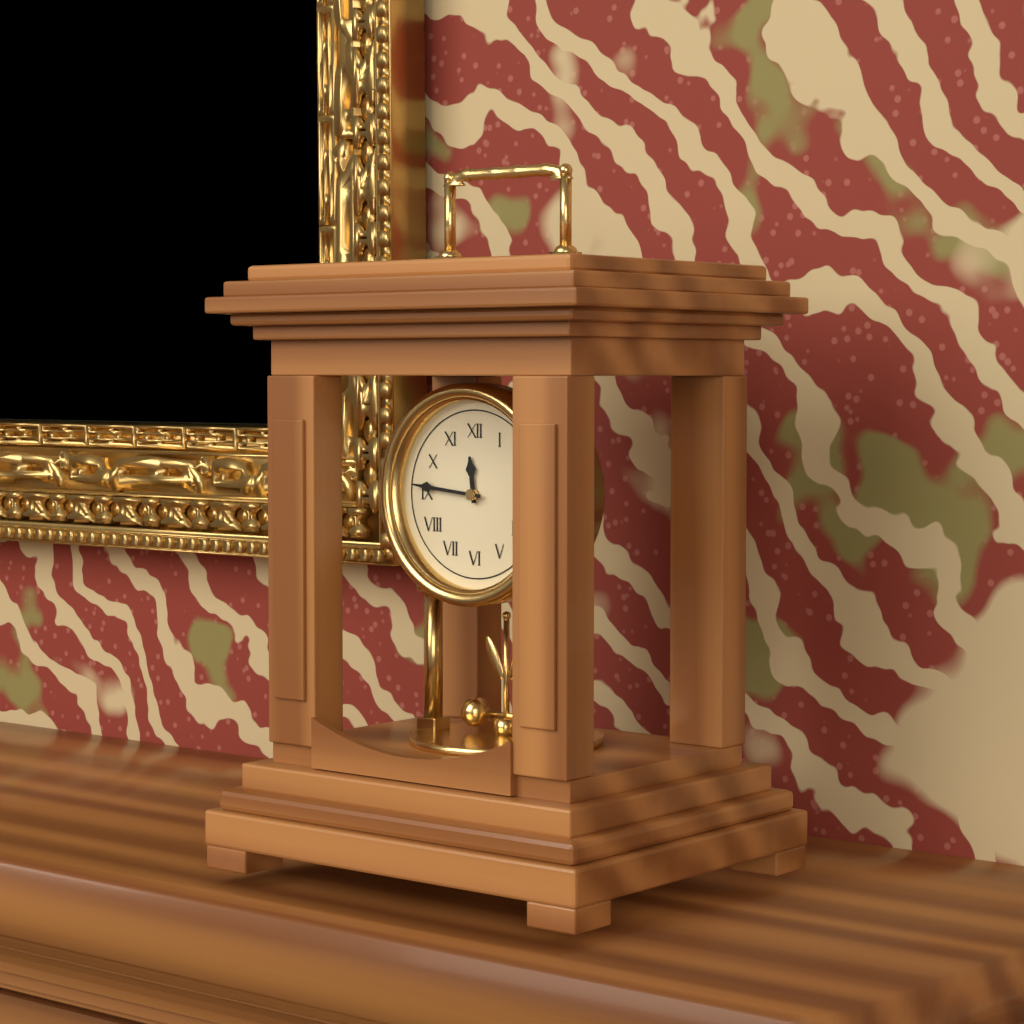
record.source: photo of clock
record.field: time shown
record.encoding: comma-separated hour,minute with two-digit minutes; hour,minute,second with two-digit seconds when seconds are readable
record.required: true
11,46
